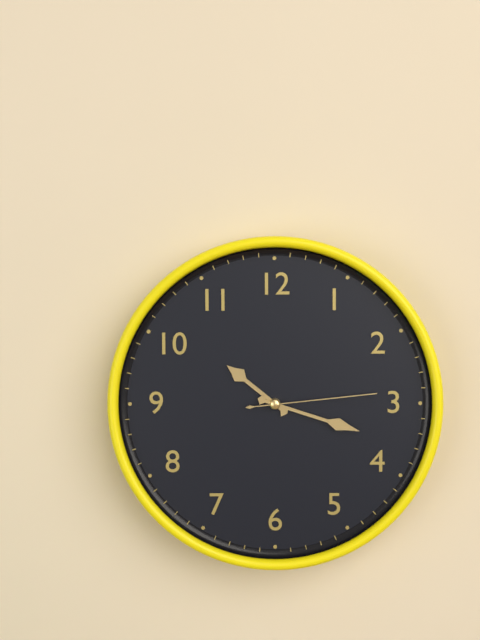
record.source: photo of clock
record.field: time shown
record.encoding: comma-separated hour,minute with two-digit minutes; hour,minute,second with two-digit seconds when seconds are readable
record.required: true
10,18,14
